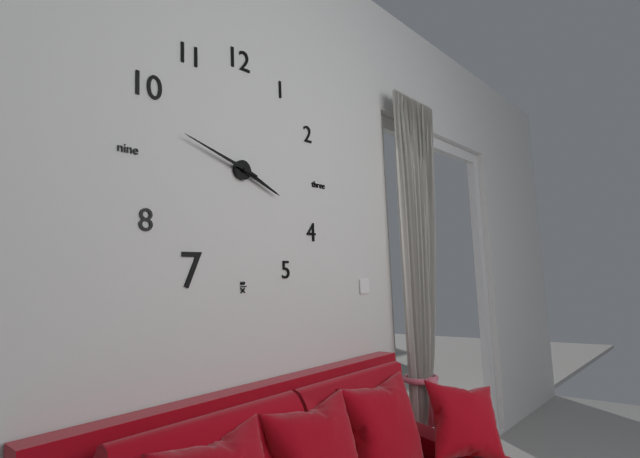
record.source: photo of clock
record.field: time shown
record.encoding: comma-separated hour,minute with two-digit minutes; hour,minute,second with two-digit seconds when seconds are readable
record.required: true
3,48
